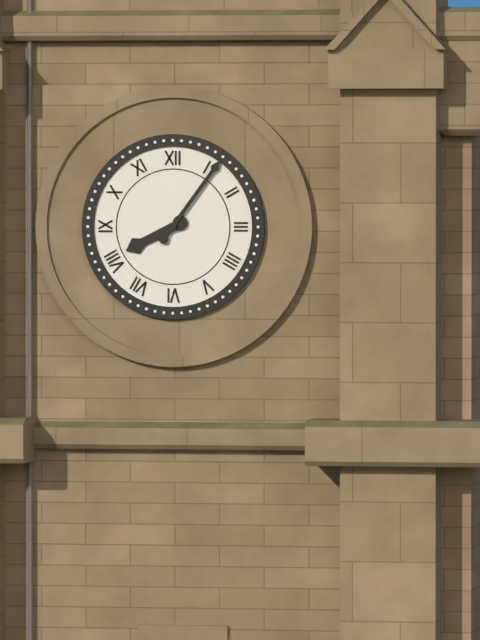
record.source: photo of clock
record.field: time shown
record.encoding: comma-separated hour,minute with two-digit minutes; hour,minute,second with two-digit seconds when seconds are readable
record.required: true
8,06
